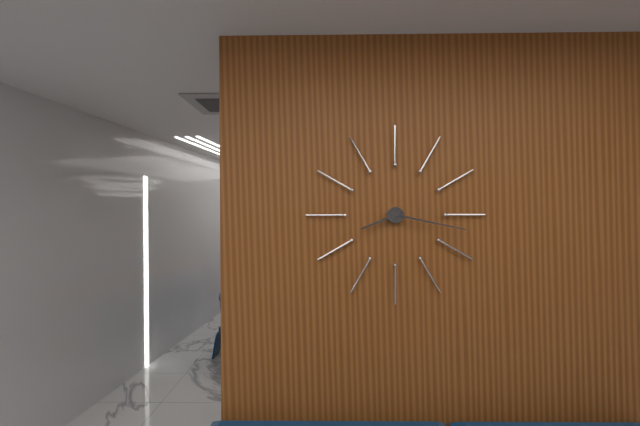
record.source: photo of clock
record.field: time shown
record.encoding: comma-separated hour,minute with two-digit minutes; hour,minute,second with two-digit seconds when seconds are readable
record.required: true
8,17
